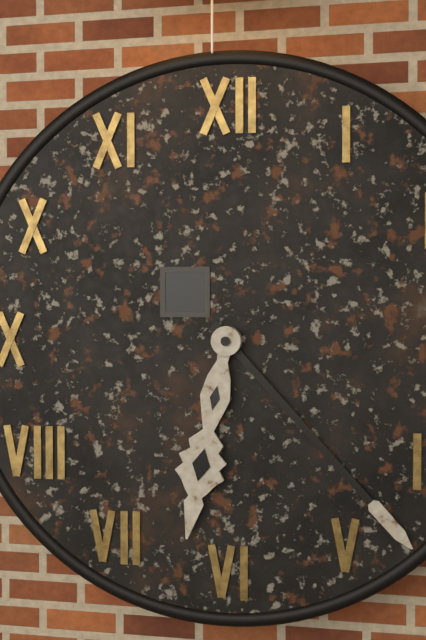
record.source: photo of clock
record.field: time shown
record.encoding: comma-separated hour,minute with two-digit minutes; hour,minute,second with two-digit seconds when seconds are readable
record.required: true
6,23
